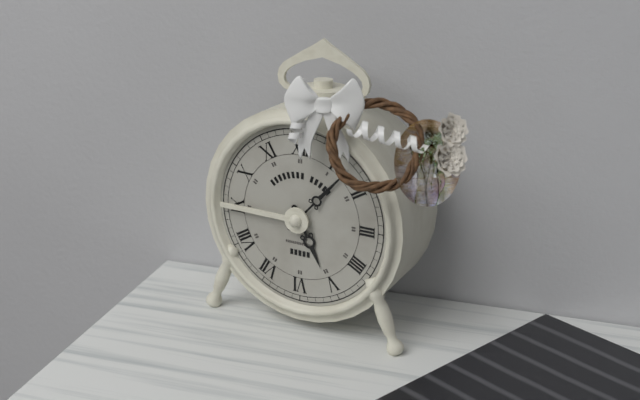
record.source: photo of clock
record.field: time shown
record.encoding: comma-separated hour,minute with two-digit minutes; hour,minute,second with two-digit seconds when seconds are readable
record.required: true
5,07
